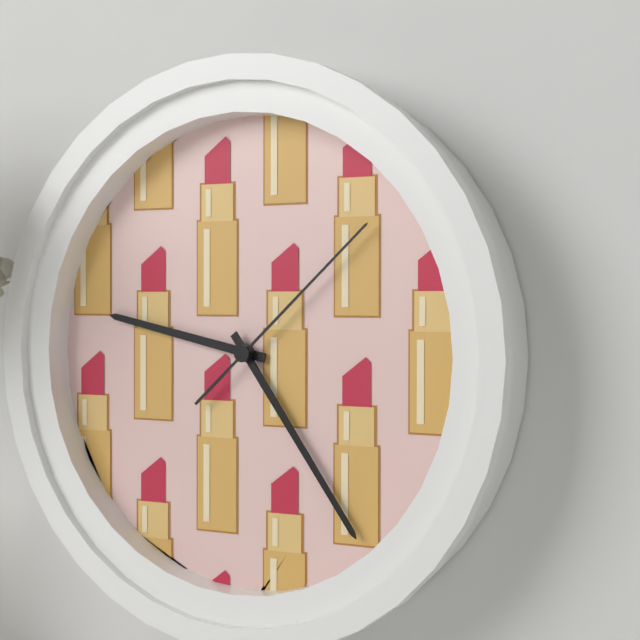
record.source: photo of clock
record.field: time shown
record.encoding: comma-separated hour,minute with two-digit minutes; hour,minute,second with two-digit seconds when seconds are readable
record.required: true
9,24,08
